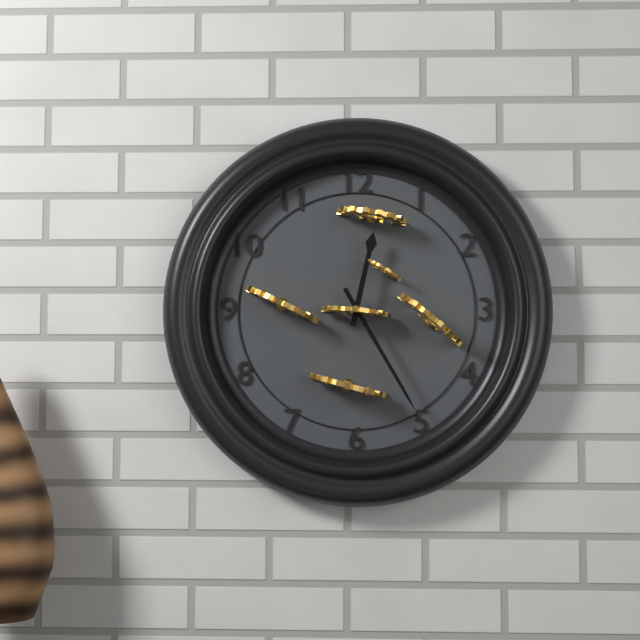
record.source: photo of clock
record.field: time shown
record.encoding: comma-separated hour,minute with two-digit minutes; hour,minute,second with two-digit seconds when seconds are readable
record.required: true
12,25
